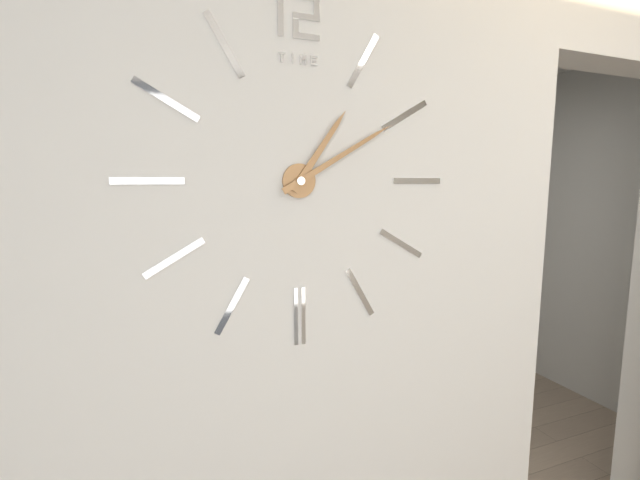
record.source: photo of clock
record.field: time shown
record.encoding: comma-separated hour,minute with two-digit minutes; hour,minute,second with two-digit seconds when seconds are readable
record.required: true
1,10
